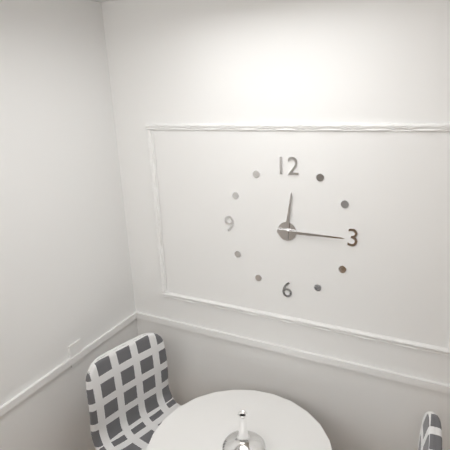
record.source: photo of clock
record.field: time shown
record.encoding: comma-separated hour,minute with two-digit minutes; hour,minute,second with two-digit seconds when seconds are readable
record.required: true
12,15
